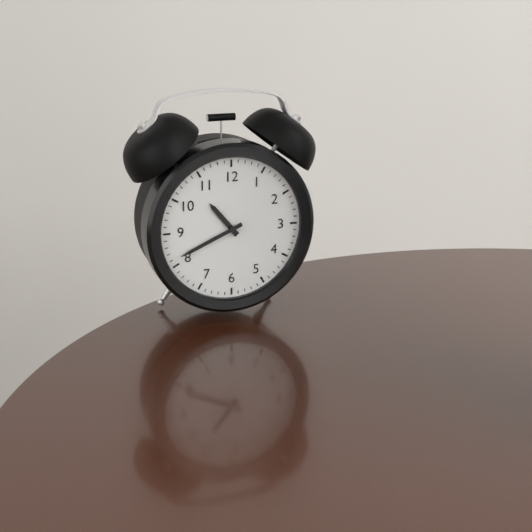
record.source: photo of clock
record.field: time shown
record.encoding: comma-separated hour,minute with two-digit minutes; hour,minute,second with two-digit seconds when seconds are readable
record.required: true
10,41
